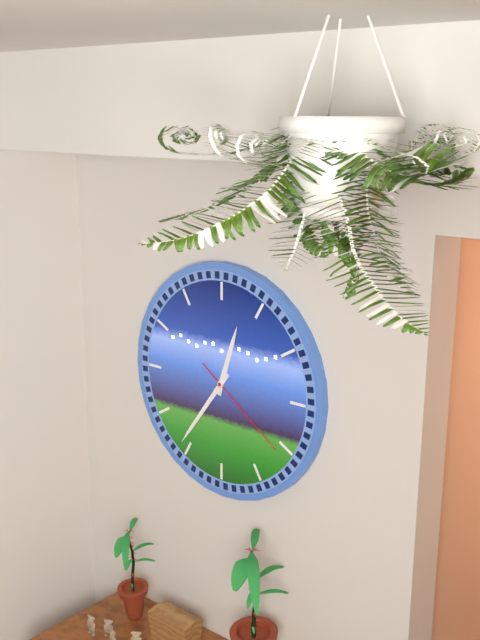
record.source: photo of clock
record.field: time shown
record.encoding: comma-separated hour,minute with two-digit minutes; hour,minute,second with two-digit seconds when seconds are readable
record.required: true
12,36,21
